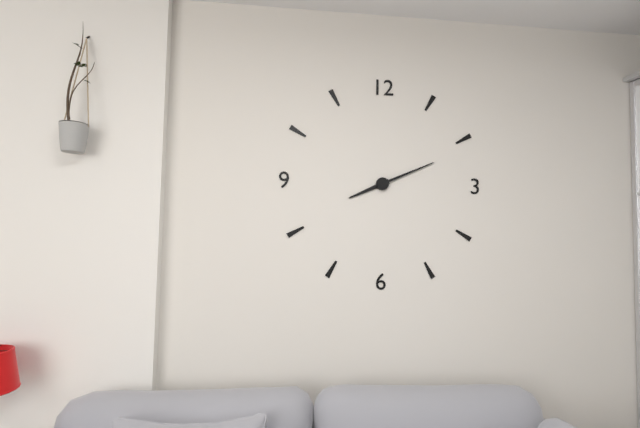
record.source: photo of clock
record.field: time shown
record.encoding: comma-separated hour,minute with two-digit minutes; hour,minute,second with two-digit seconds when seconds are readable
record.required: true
8,11
